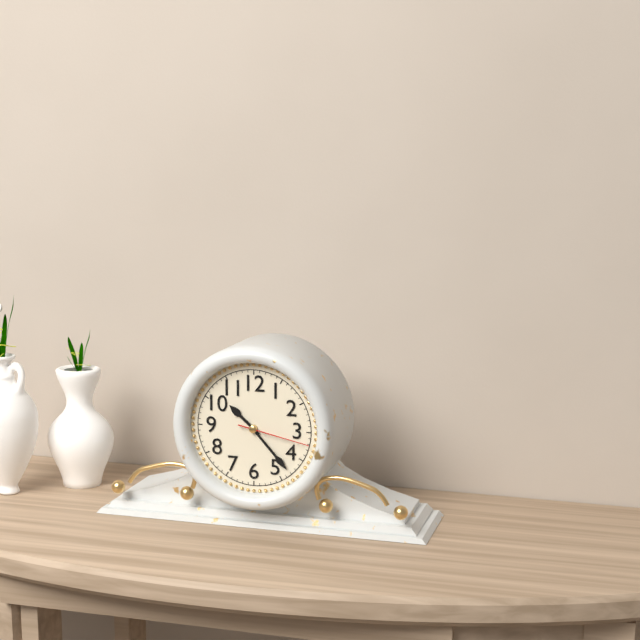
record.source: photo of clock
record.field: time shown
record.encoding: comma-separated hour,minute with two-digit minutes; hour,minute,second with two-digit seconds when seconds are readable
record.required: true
10,23,17
